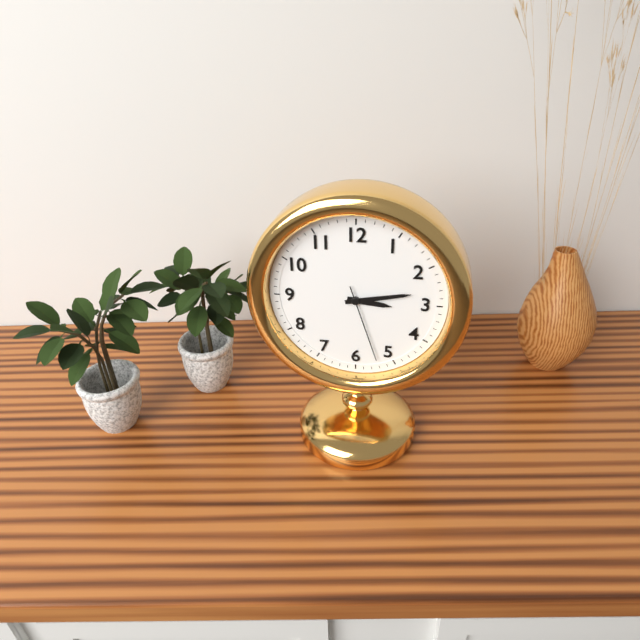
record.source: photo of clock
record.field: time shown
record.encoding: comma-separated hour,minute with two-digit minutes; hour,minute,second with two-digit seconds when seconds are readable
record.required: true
3,13,27
